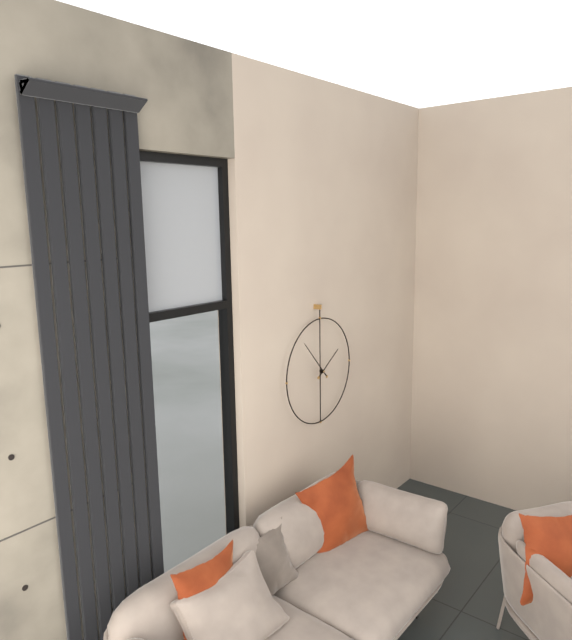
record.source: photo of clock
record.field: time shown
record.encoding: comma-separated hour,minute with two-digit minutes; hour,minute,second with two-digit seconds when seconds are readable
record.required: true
1,53
